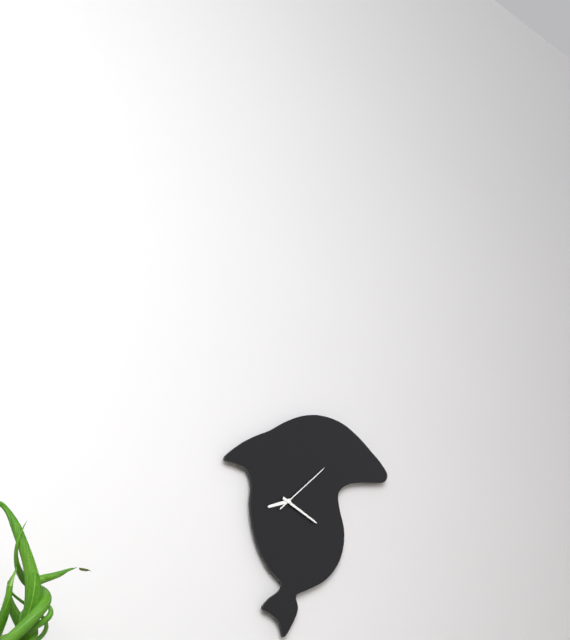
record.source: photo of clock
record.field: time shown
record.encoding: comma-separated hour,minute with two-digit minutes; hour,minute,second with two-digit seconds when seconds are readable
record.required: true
8,19,08
